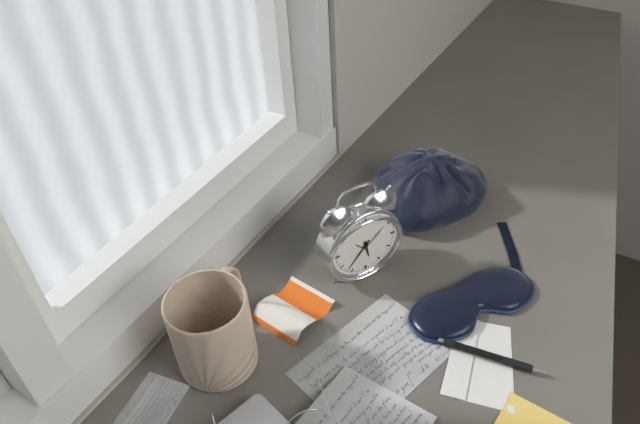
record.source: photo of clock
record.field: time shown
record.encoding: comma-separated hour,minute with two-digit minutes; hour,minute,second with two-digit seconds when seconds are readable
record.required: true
5,37
